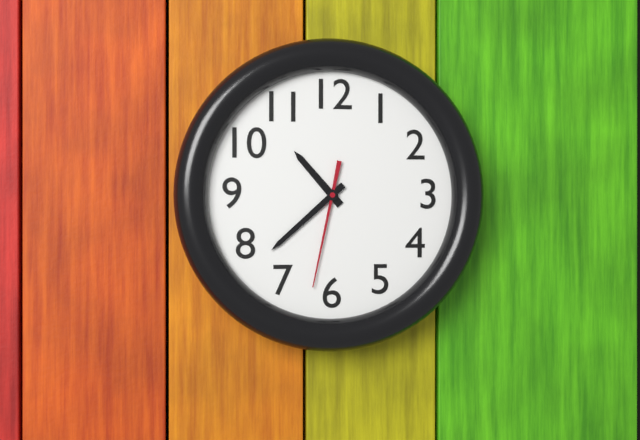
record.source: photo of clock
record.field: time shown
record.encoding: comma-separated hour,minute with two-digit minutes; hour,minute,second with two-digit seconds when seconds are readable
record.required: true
10,38,32
